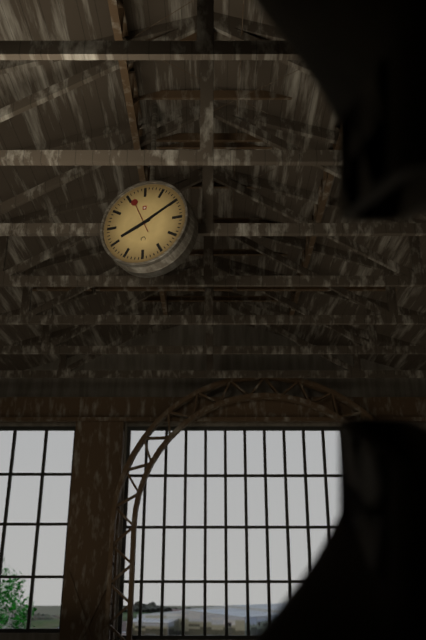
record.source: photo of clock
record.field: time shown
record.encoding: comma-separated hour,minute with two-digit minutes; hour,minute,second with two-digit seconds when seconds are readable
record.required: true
8,10
